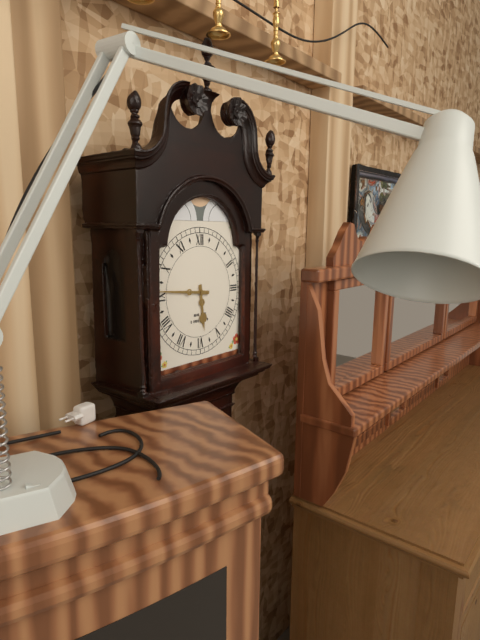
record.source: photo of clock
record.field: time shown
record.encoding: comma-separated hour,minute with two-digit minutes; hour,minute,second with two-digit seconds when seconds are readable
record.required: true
5,46
